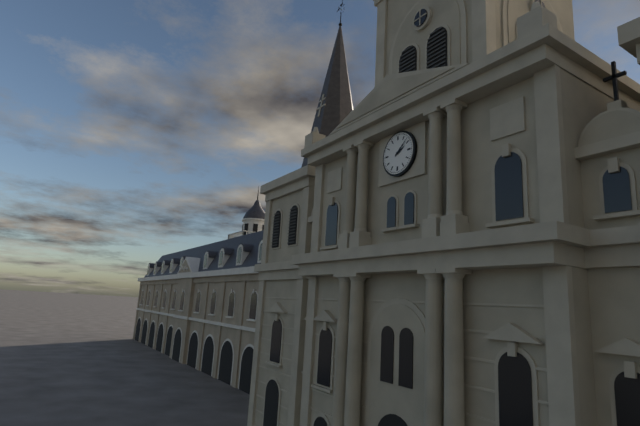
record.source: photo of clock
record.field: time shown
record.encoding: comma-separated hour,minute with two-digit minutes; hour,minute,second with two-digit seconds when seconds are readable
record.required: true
2,08
